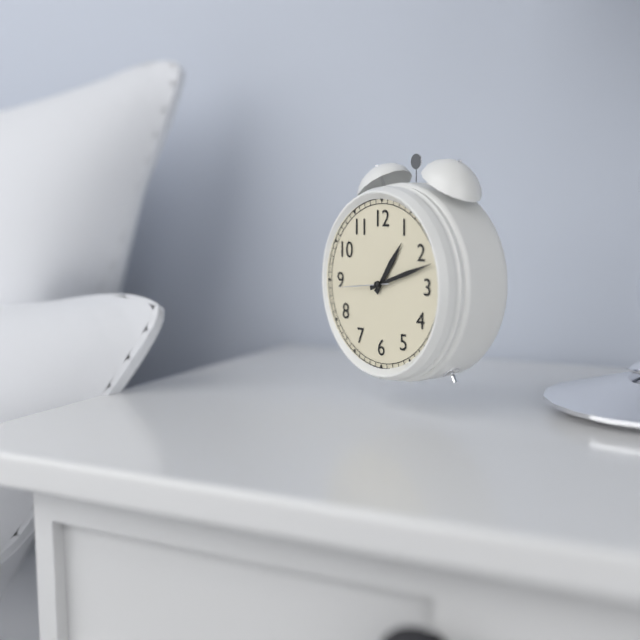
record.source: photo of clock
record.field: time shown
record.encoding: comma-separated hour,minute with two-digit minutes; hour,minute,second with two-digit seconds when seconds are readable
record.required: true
1,12,44
